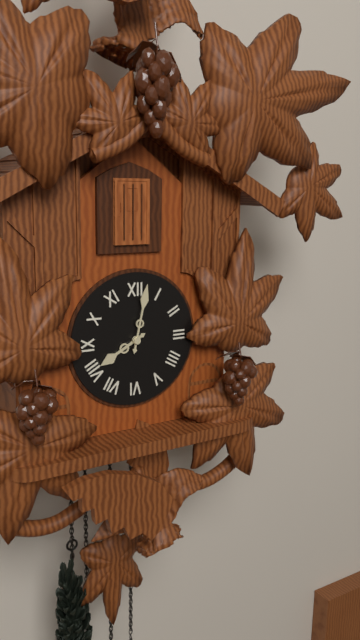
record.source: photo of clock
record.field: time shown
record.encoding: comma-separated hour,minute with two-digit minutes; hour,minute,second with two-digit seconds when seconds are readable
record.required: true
8,02
